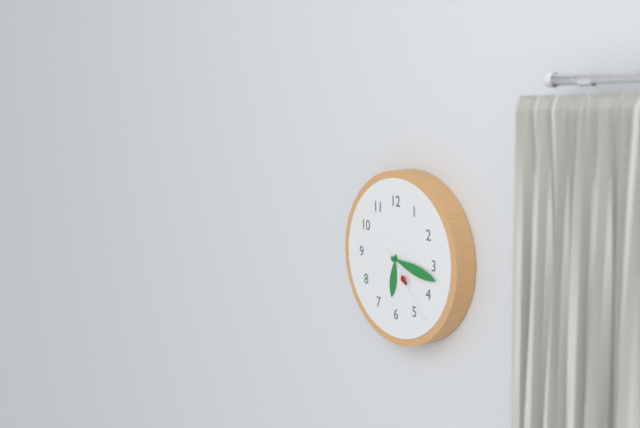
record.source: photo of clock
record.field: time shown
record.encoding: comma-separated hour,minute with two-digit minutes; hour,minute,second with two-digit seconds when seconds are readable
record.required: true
6,17,23
